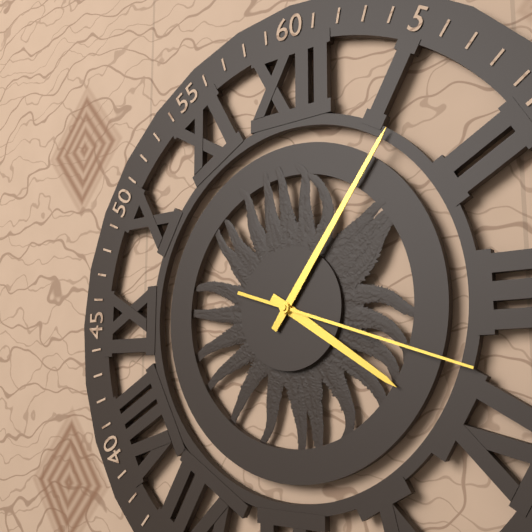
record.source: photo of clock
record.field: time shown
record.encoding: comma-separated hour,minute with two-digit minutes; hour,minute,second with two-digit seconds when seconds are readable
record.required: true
4,06,18
